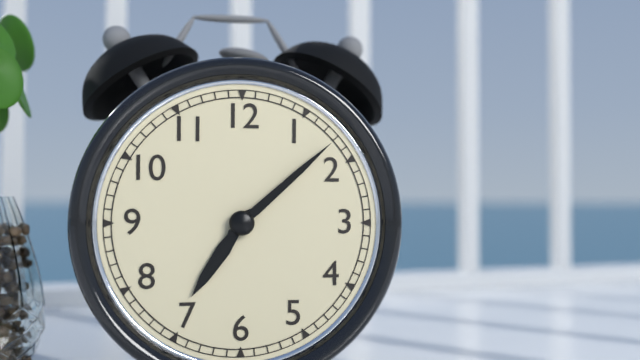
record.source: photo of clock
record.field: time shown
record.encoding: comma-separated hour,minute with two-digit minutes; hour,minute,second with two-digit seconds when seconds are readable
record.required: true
7,08
